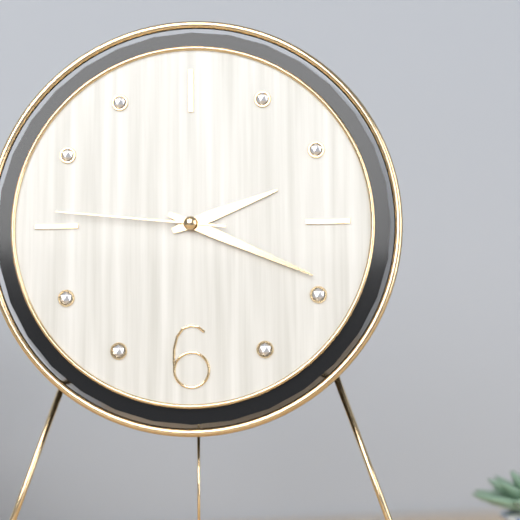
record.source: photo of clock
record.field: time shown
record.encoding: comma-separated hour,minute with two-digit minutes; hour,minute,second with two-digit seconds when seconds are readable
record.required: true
2,19,46
